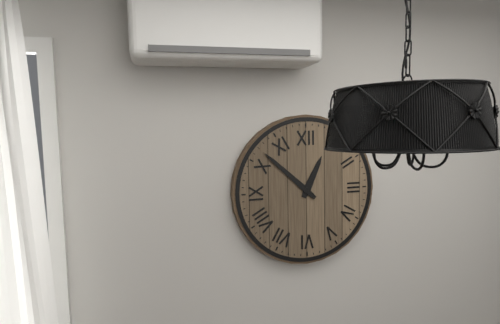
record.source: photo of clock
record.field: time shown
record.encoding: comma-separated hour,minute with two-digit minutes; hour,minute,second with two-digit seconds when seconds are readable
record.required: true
12,52
